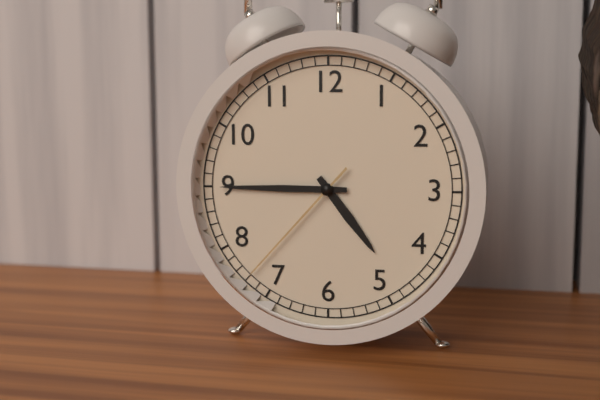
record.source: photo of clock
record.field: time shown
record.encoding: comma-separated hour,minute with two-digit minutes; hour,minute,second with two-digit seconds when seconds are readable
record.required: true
4,45,37
